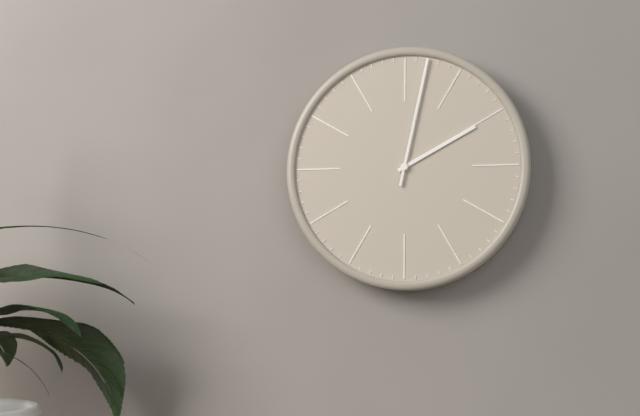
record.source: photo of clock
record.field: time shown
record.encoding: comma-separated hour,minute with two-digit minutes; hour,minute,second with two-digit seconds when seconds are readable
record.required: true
2,02
